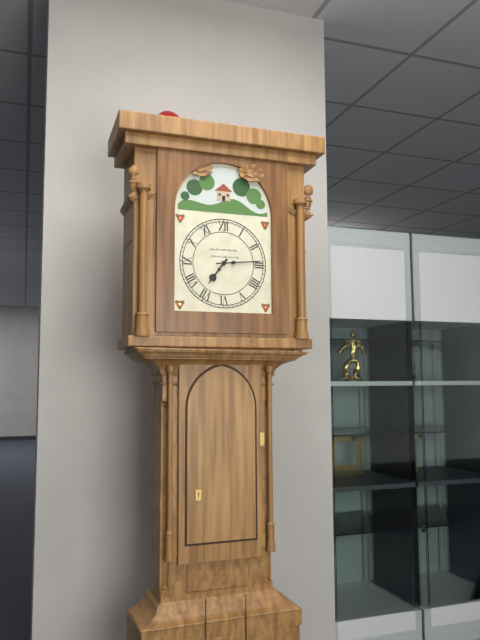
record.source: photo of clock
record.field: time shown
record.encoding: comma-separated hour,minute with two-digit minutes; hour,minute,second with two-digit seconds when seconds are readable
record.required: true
7,14
